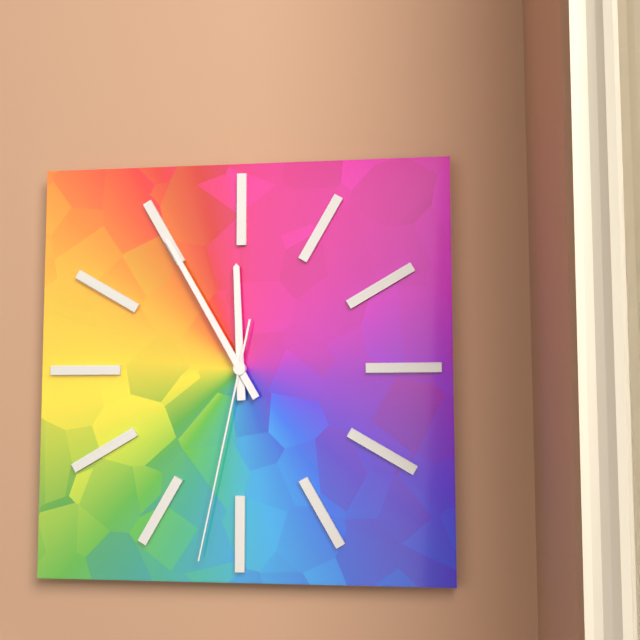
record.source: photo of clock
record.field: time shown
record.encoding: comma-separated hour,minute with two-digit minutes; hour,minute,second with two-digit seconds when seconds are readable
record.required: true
11,55,32
